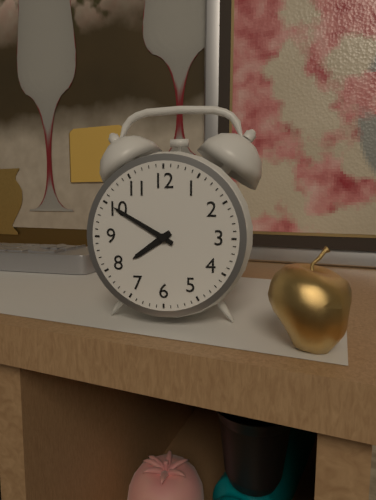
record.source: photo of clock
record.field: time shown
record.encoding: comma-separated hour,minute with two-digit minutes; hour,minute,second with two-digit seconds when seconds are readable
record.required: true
7,50
